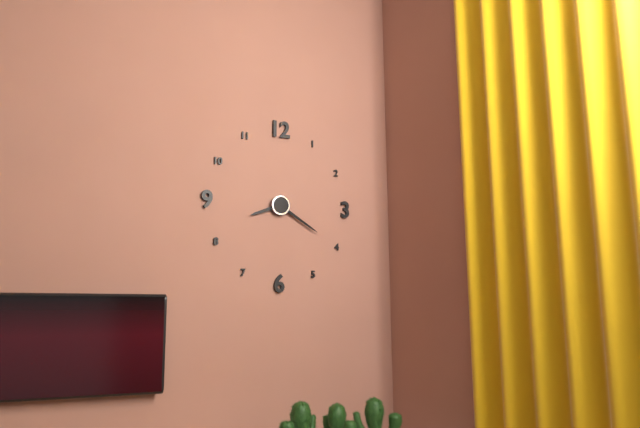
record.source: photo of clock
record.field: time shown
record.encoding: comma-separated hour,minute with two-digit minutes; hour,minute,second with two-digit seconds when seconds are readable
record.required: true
8,20
